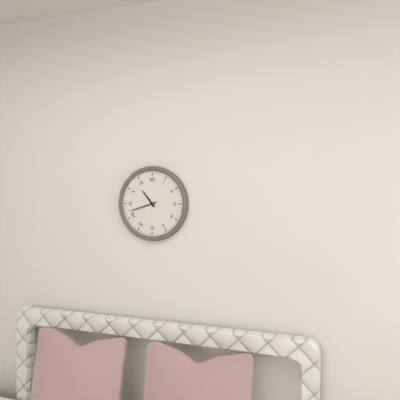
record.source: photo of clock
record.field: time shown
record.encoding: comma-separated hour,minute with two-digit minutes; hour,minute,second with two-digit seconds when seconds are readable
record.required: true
10,42
